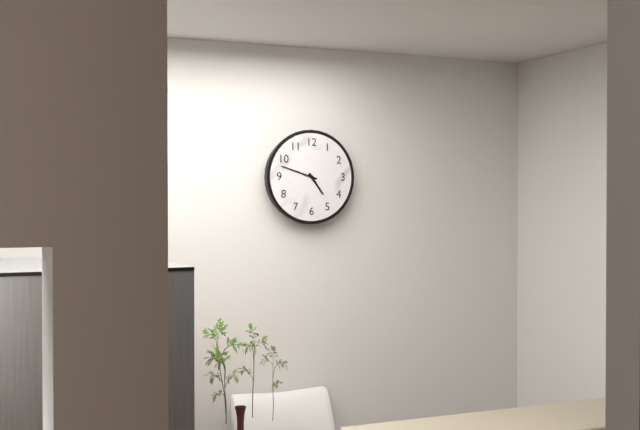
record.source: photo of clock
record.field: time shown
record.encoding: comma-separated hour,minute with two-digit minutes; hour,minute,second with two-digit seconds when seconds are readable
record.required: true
4,48
